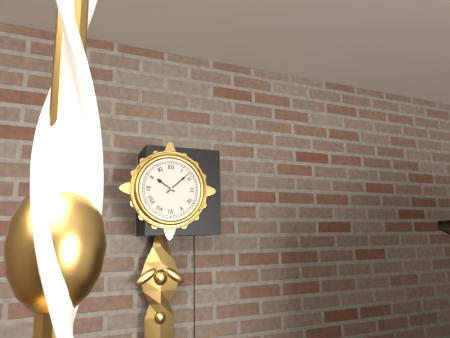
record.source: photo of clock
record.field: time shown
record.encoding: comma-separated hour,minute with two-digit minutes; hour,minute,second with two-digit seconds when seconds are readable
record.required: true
10,08
